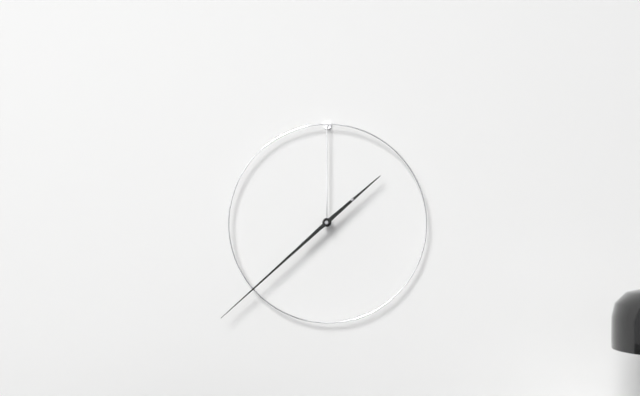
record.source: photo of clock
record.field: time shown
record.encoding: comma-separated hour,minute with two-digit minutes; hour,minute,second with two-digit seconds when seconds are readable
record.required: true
1,38
